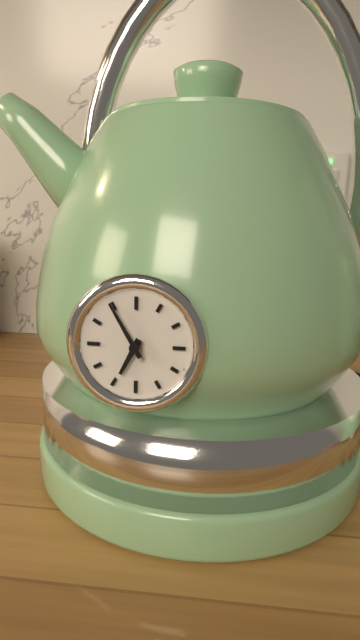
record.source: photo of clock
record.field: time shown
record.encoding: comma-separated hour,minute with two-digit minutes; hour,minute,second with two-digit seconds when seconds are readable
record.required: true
6,55
